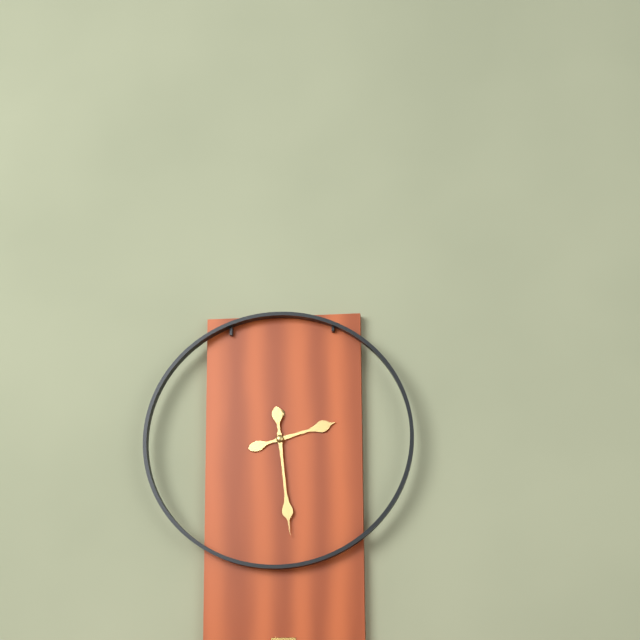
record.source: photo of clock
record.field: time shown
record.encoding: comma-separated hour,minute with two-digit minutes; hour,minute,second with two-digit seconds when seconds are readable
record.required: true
2,29
